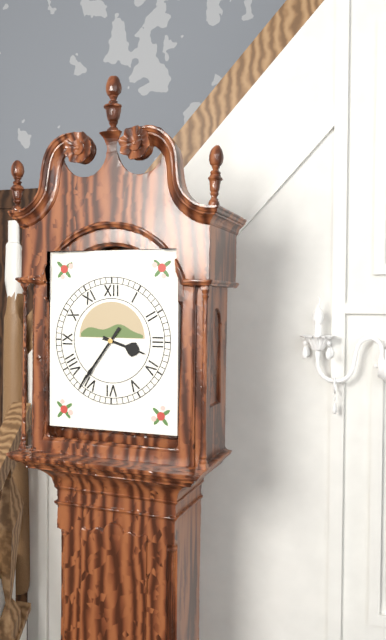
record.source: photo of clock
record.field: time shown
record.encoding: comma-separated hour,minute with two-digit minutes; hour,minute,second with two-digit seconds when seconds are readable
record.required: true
3,36
